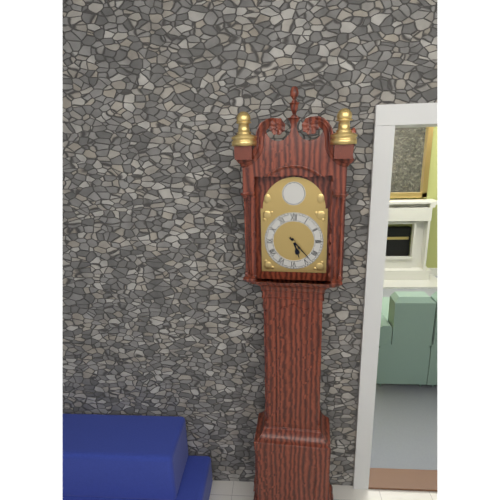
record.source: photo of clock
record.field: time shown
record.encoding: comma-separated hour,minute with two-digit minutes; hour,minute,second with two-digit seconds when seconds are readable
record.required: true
5,23
